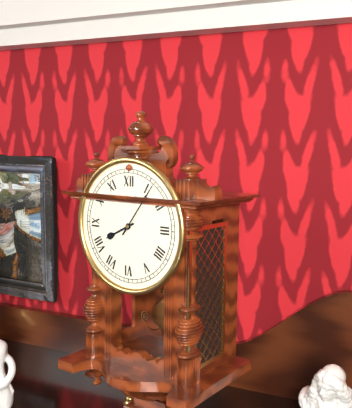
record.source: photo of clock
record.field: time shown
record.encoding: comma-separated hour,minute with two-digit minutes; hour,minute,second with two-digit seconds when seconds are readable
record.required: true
8,06
